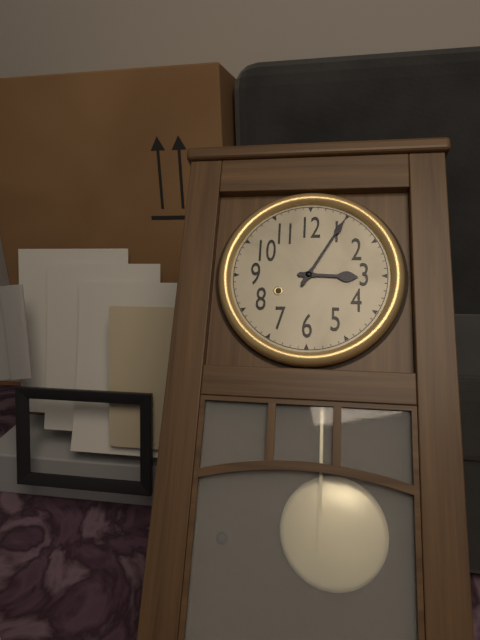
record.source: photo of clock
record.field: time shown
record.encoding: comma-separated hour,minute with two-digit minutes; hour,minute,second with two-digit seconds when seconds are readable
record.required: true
3,05
